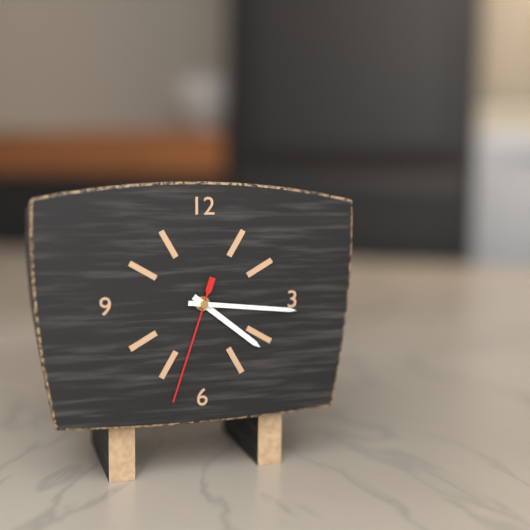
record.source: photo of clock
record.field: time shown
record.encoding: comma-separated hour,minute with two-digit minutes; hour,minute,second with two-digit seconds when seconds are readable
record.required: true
4,16,33
